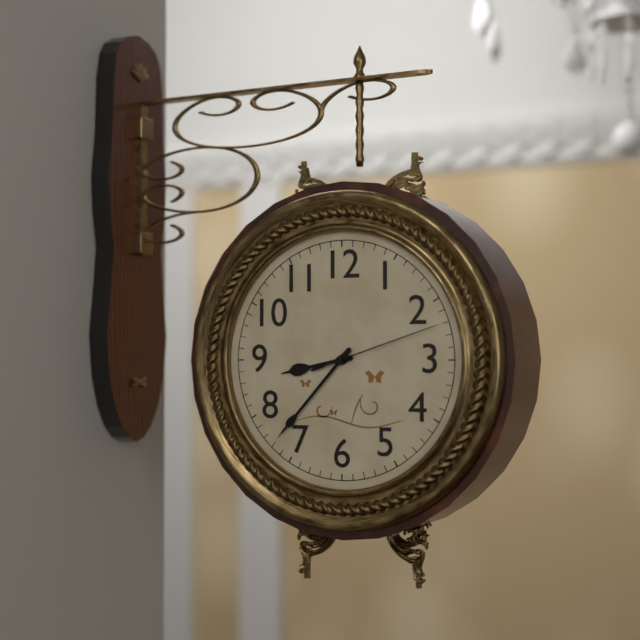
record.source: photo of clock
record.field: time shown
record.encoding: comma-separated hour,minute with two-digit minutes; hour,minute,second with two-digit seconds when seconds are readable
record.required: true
8,37,12
